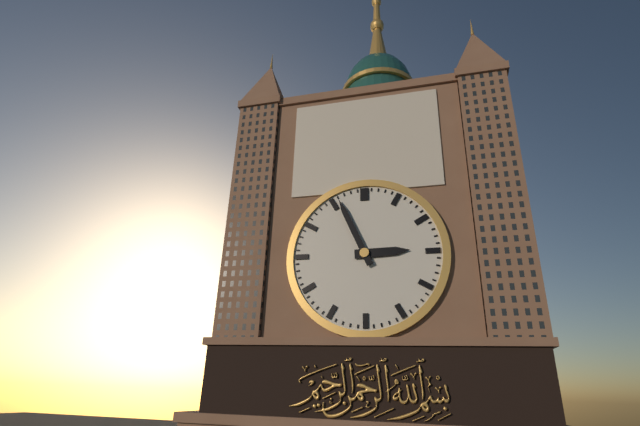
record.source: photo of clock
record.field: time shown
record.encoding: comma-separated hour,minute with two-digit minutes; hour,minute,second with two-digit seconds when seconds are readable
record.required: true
2,56
